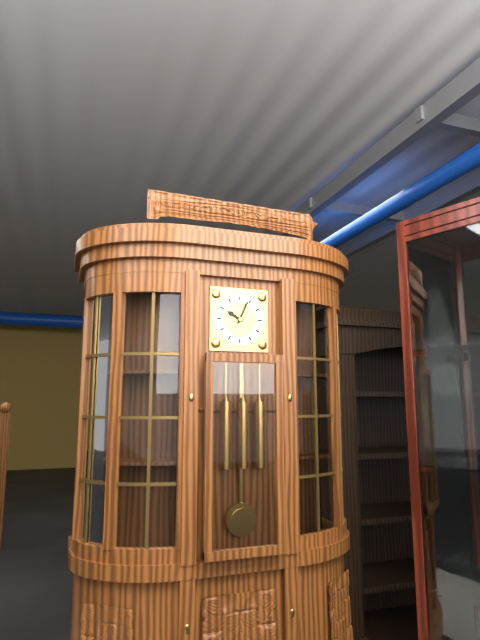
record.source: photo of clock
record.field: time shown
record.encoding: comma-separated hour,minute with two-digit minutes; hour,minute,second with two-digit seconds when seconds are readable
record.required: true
10,04
